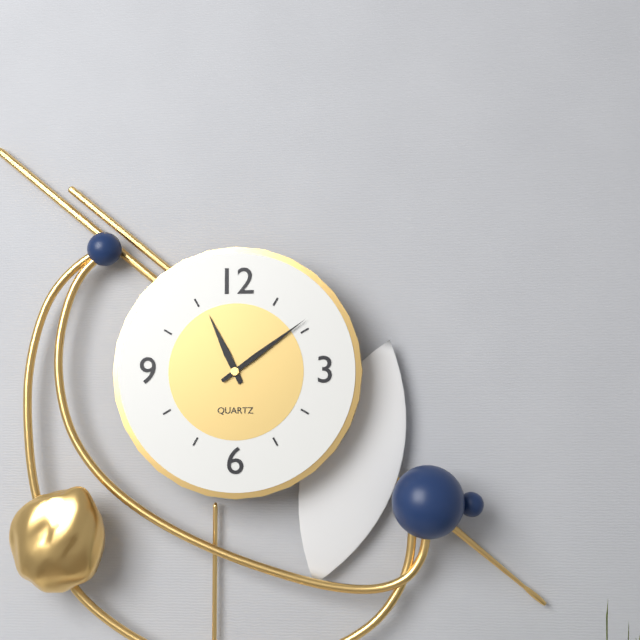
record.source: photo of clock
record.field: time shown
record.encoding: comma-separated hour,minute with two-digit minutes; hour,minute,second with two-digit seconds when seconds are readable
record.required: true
11,09
